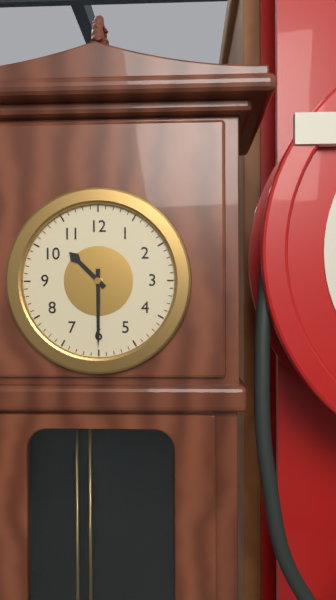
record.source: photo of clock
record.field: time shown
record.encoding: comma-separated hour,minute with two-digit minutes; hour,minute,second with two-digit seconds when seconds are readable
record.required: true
10,30
